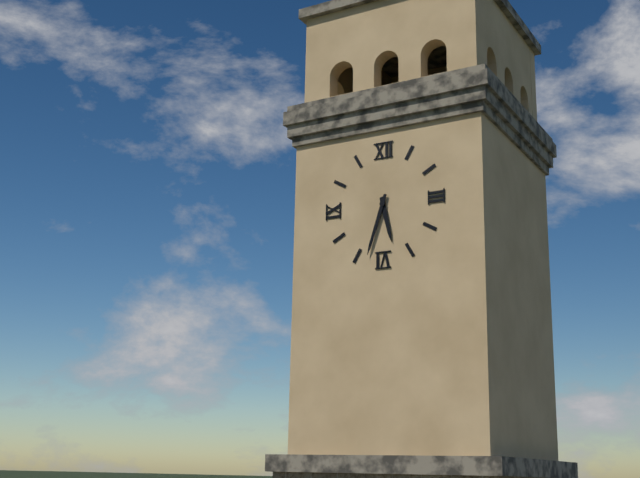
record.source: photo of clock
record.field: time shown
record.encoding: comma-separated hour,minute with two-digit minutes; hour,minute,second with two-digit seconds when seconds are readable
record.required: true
5,33
